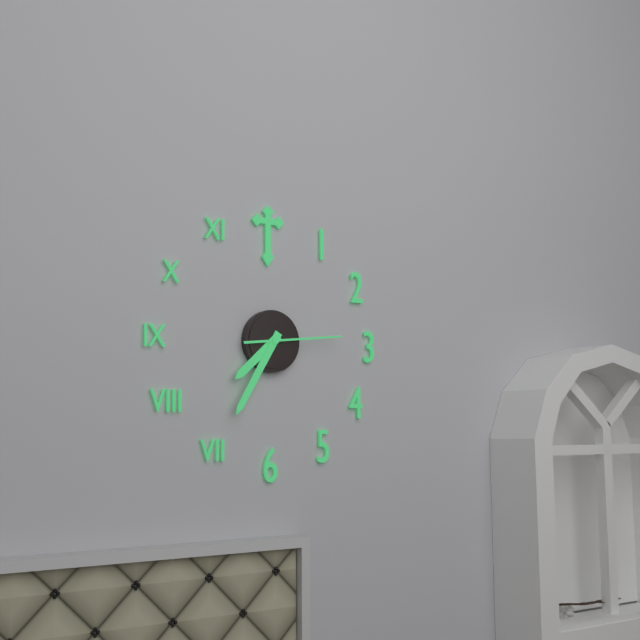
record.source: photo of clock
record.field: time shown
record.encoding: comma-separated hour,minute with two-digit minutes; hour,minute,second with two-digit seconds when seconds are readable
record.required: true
7,35,14
